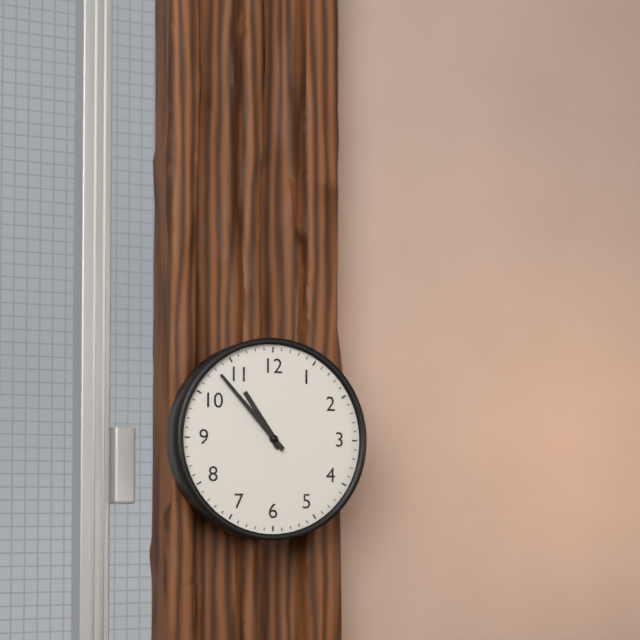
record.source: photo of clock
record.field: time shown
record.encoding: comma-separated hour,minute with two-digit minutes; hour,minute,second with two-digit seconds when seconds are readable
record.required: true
10,53
